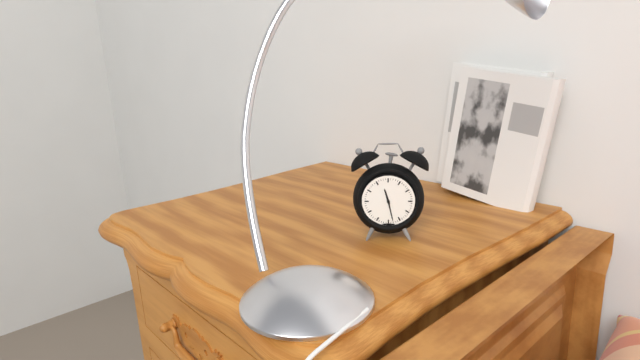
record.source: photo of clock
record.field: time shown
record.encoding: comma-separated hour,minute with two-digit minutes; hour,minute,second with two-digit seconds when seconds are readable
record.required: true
11,28
